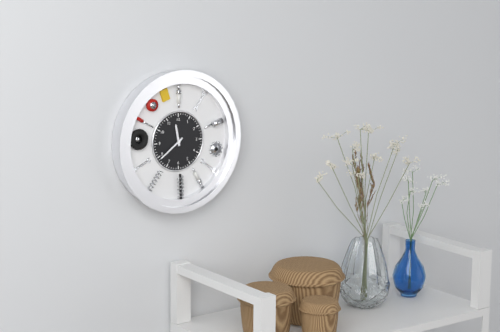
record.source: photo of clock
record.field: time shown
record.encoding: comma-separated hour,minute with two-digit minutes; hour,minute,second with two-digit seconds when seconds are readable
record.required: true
11,39
